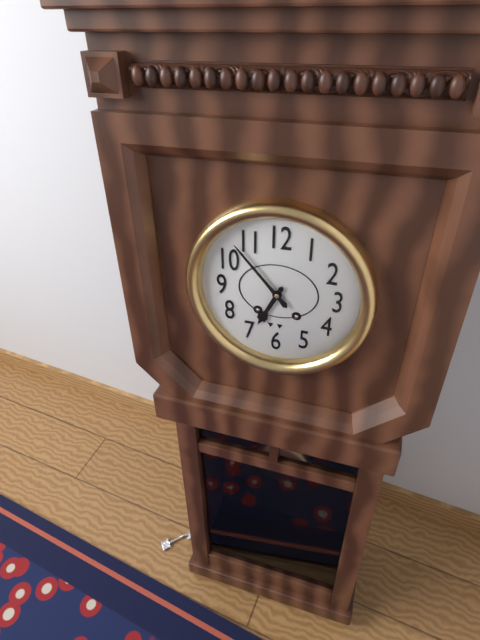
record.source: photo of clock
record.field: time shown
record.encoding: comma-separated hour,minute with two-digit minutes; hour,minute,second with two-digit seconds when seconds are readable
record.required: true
6,53
